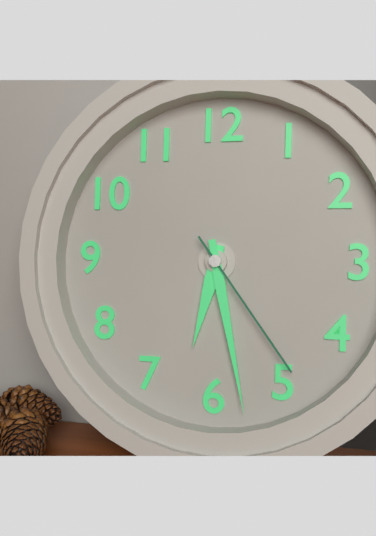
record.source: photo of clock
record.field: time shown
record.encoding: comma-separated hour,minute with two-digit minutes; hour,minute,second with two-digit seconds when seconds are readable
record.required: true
6,28,24
